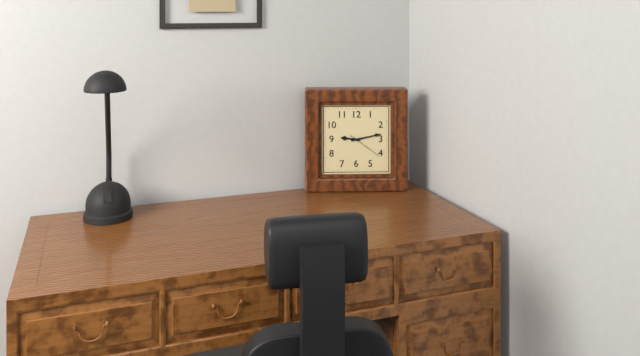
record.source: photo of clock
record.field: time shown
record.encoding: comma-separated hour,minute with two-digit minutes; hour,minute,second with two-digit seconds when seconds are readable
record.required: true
9,13
